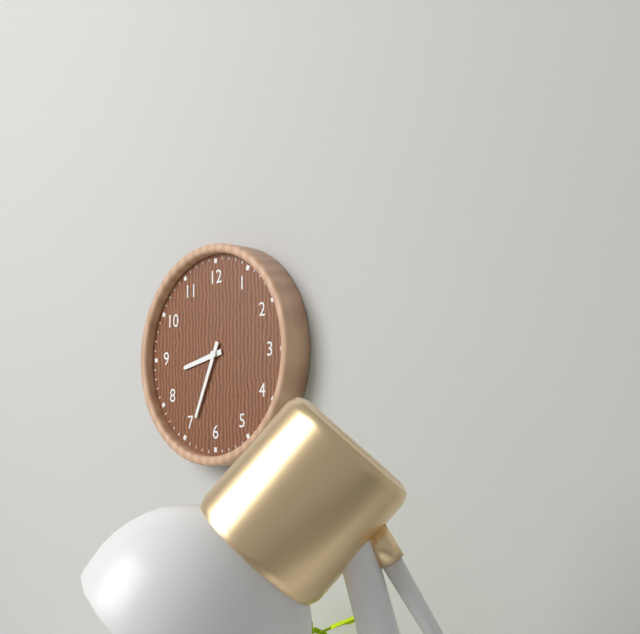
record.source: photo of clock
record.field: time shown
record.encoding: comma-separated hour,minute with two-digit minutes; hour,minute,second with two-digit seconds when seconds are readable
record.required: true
8,34
